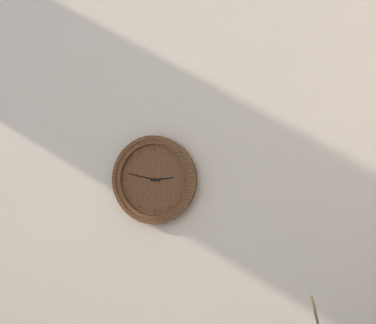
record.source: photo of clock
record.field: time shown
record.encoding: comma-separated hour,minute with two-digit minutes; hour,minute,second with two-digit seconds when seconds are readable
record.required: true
2,47
